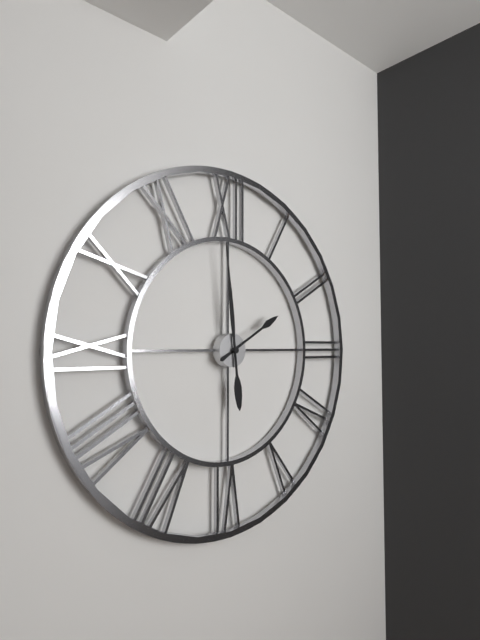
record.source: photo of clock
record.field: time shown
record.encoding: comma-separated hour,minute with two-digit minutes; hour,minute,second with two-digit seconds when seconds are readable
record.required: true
1,59
